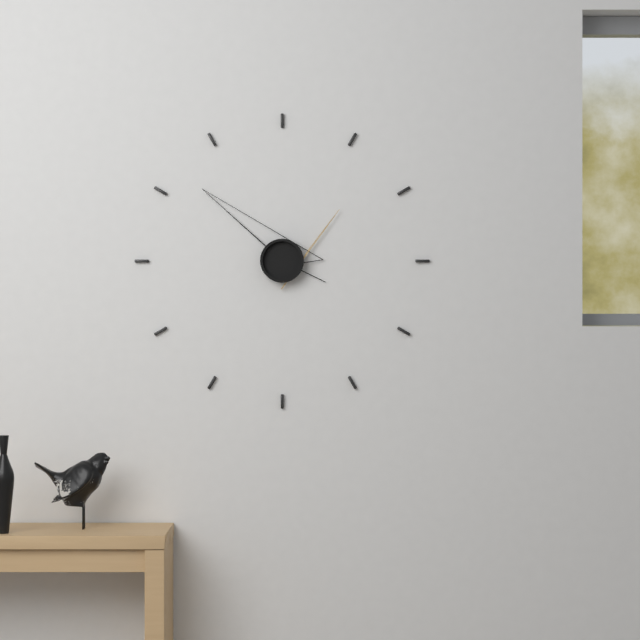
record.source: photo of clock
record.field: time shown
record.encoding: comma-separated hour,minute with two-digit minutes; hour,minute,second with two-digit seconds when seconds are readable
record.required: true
3,52,08
